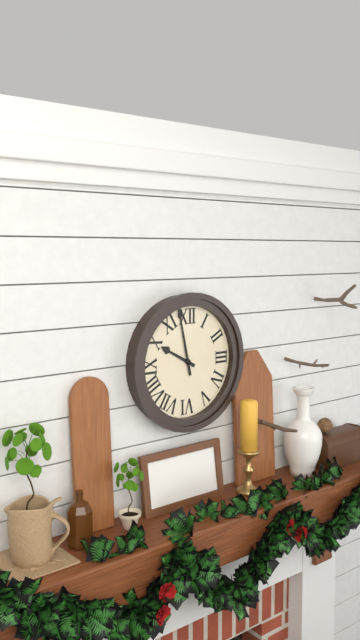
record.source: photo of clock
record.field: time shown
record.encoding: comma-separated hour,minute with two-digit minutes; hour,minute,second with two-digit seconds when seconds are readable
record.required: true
9,58
